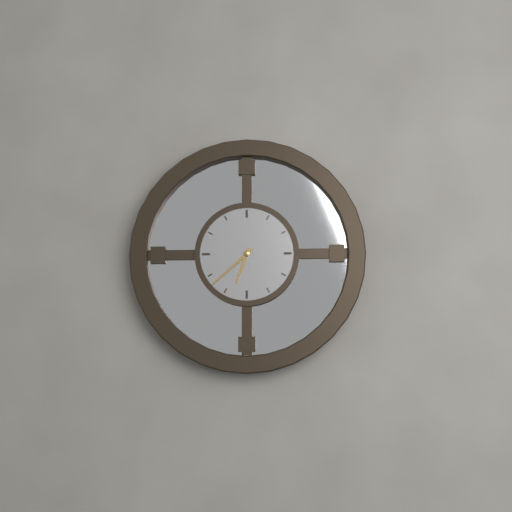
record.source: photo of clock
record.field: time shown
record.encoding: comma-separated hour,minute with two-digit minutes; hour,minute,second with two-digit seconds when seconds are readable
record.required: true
6,38
